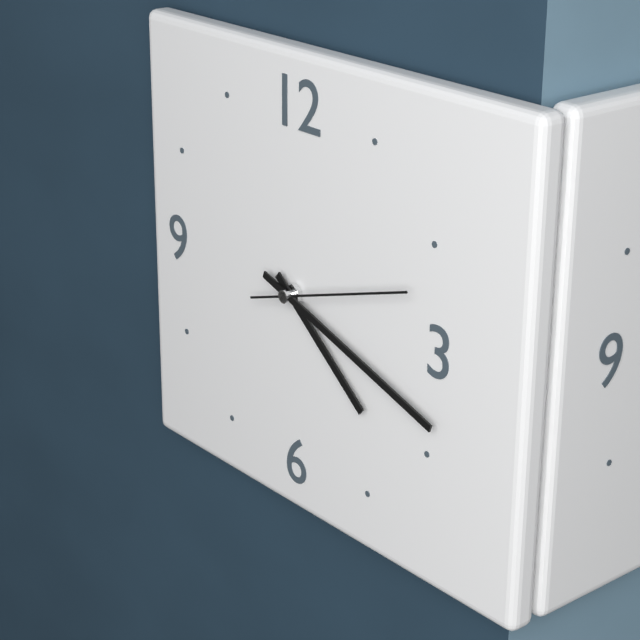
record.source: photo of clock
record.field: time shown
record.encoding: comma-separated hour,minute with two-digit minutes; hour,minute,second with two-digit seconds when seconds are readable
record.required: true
4,18,12
